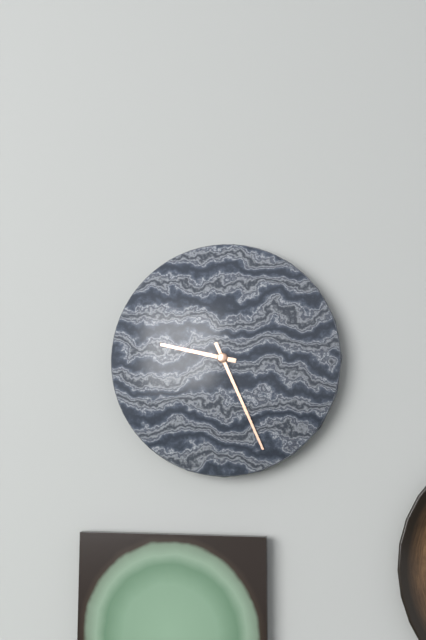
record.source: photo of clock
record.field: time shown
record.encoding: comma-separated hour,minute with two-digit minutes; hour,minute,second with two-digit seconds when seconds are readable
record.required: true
9,26
